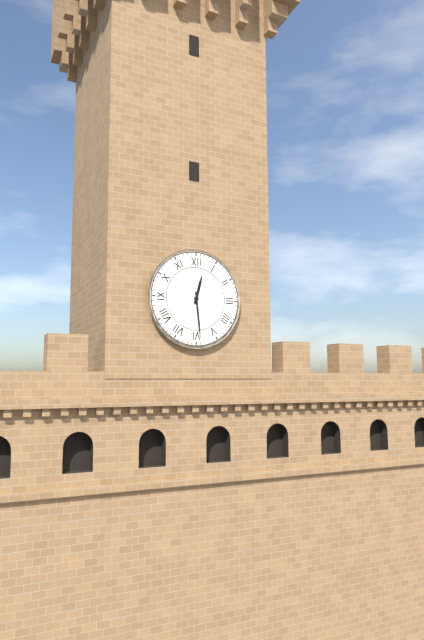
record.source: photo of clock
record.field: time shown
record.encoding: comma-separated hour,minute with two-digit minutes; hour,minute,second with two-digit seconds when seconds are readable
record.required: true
12,29
